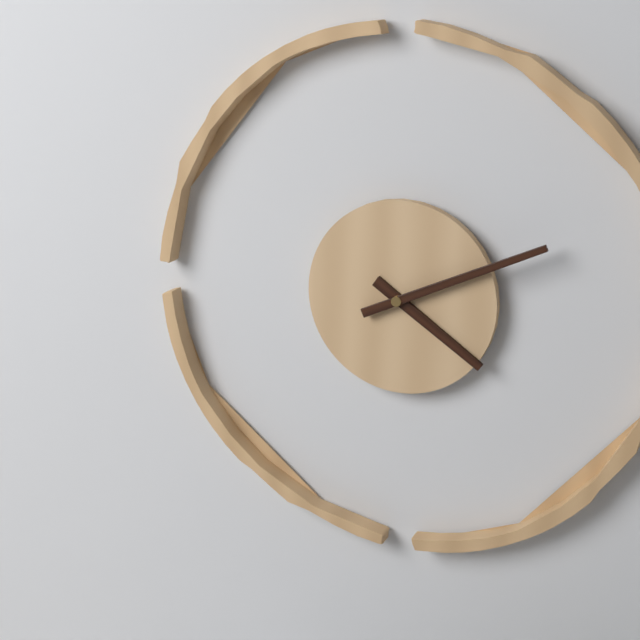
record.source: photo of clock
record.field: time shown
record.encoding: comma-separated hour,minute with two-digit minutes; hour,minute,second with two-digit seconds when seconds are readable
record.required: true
4,11
